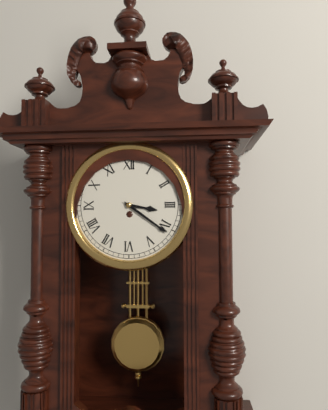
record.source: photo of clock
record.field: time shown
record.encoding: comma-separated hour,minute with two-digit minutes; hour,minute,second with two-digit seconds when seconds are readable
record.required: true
3,21
